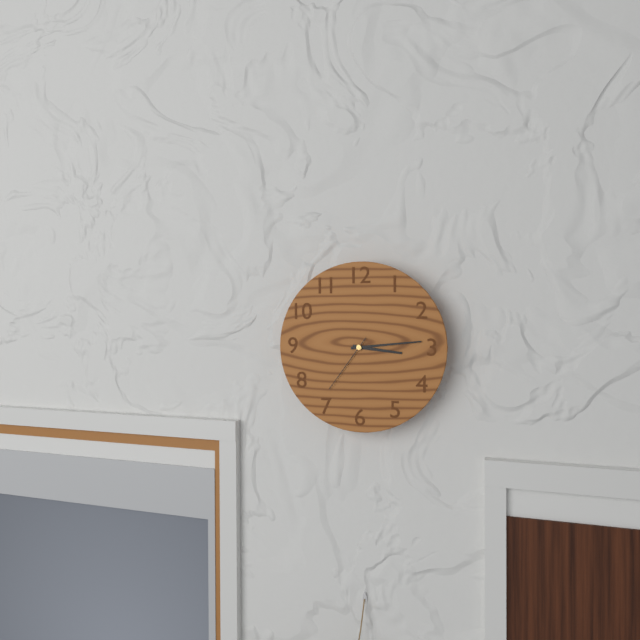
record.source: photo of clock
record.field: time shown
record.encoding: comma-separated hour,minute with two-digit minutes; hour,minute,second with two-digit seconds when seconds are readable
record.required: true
3,14,36
